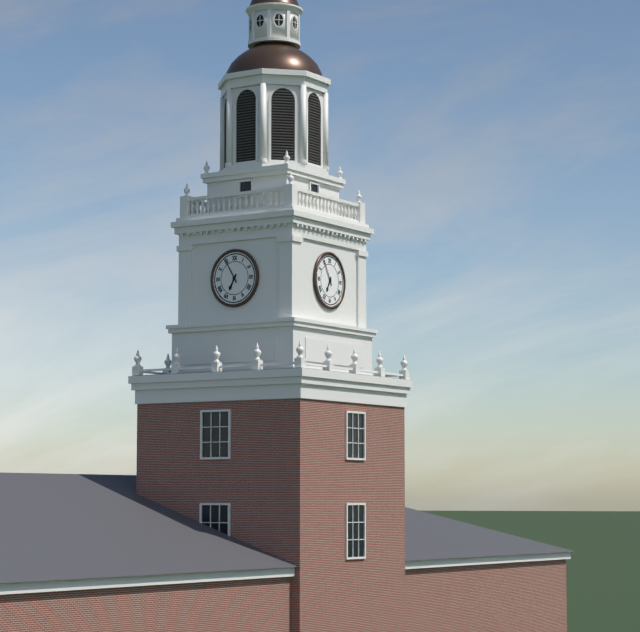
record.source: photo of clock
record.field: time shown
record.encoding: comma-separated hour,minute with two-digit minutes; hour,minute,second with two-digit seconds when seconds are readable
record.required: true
6,55
